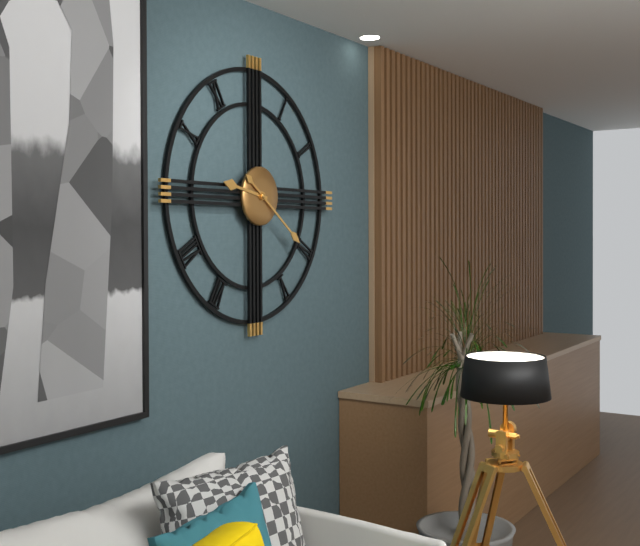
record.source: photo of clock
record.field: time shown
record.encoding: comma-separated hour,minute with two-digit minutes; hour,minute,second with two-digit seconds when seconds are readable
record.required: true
9,21
